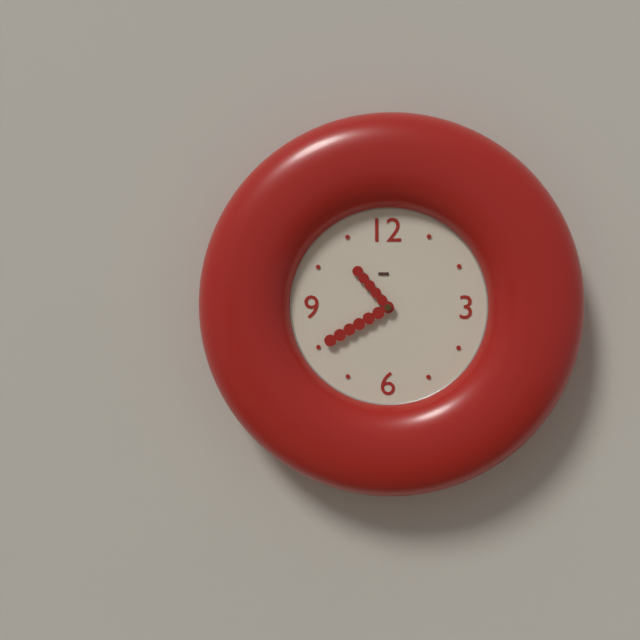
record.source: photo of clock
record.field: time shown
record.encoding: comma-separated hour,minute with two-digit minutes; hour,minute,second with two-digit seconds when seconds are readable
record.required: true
10,40
